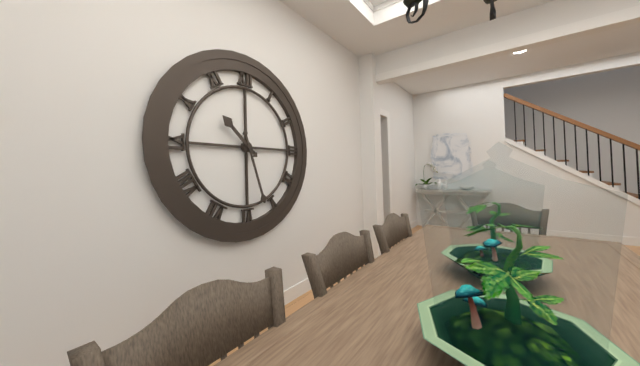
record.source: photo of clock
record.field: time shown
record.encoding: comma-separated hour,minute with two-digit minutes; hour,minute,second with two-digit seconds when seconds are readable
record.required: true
10,27
